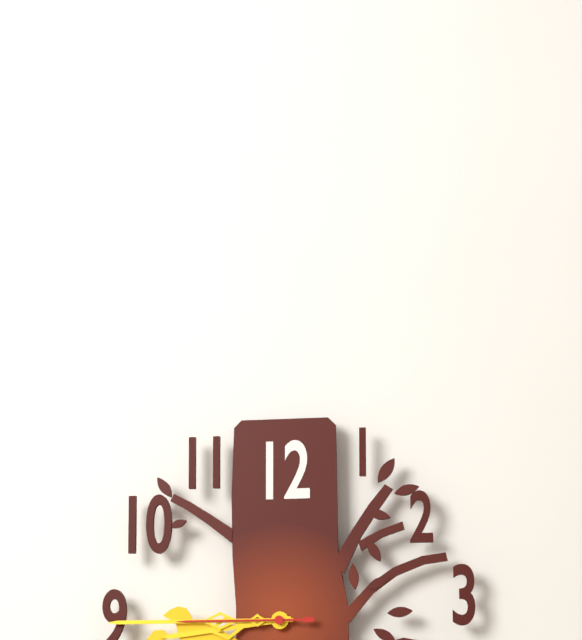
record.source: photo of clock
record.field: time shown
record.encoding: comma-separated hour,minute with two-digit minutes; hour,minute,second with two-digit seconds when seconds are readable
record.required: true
8,45,45
